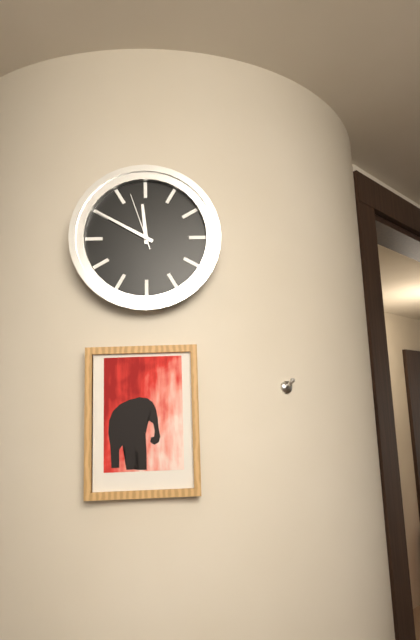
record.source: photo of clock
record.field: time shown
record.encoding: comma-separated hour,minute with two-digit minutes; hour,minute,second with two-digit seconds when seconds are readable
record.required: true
11,50,57
